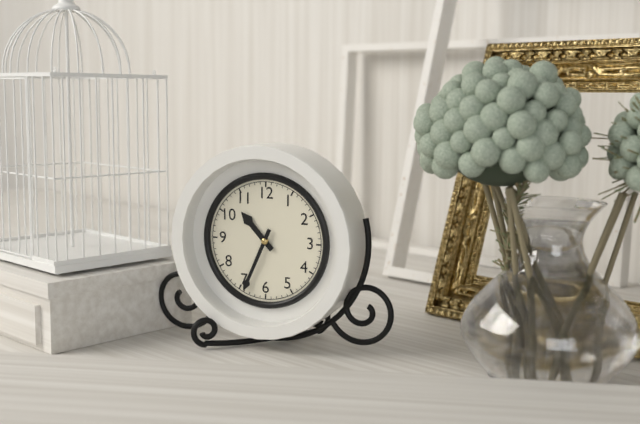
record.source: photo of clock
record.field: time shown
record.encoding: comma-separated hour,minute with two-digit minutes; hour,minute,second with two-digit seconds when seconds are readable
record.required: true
10,34
